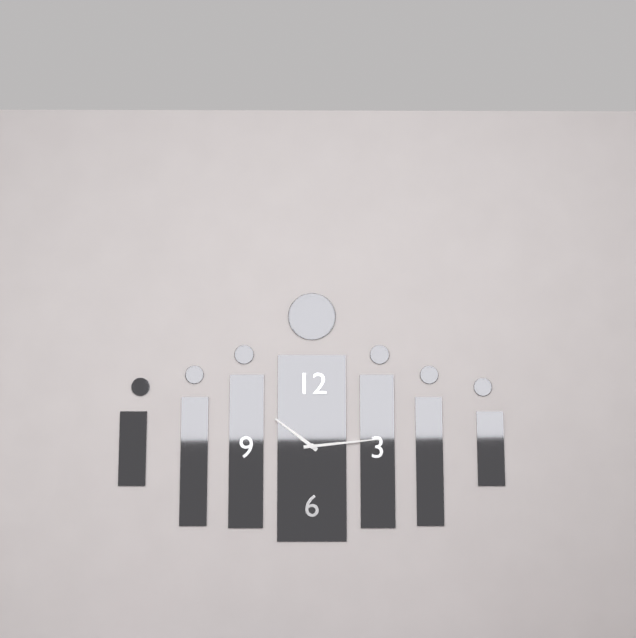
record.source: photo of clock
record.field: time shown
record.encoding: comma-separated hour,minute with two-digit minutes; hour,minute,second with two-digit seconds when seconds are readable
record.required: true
10,14
